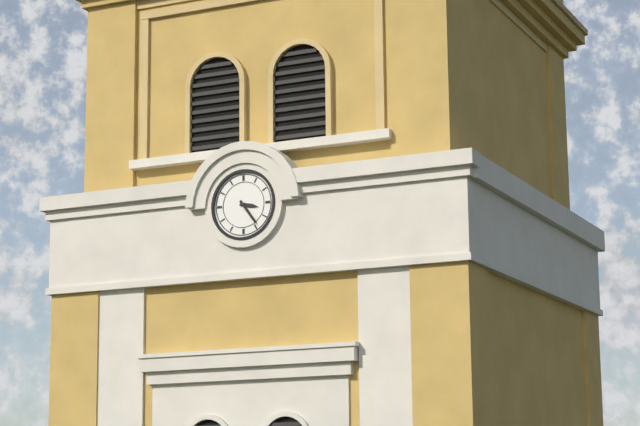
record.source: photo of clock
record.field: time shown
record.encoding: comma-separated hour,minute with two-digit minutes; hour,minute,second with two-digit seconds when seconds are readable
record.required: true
3,24
